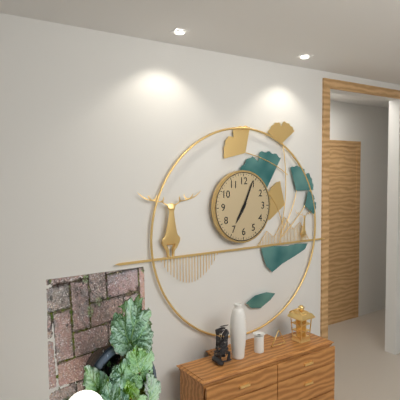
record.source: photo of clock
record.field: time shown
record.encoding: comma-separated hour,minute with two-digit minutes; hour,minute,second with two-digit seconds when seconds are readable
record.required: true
7,04
